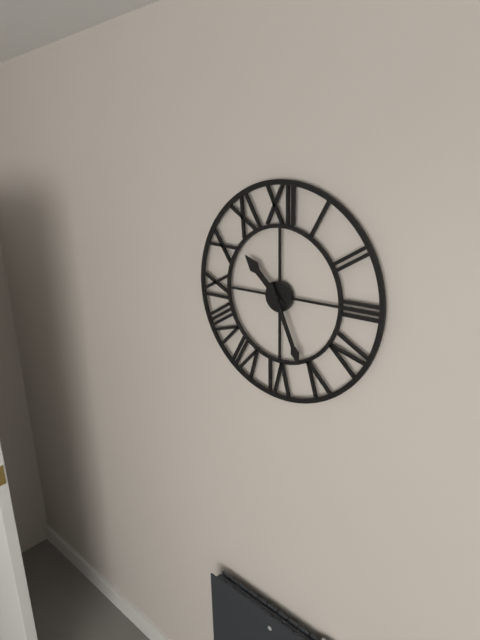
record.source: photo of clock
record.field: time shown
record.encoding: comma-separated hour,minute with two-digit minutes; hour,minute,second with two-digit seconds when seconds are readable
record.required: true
10,26
